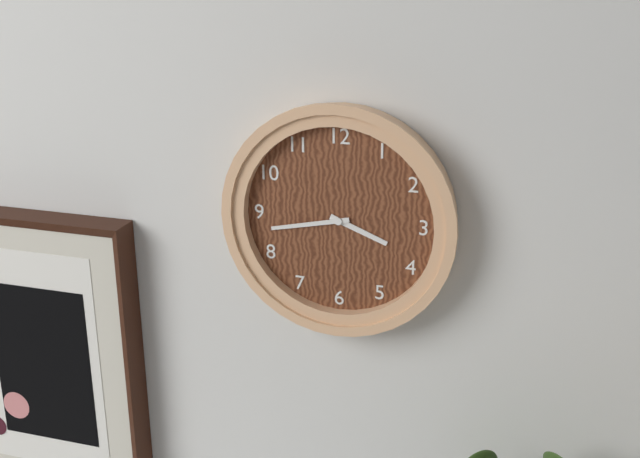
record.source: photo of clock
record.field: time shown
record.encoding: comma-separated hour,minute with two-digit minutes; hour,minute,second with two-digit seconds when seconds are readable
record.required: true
3,43
